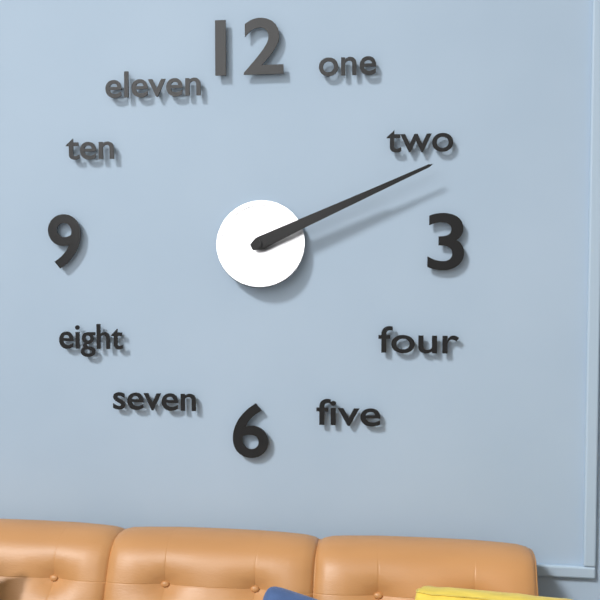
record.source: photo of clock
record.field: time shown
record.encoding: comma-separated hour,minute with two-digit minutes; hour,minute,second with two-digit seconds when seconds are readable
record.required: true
2,11
